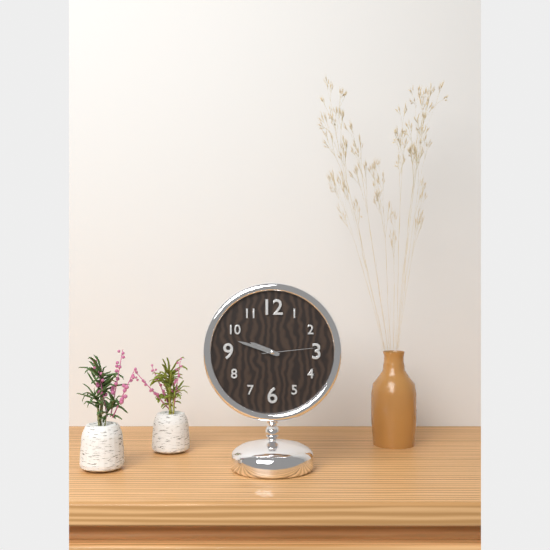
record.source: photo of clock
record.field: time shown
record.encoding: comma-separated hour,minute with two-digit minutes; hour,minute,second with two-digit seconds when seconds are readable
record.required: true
9,48,14
